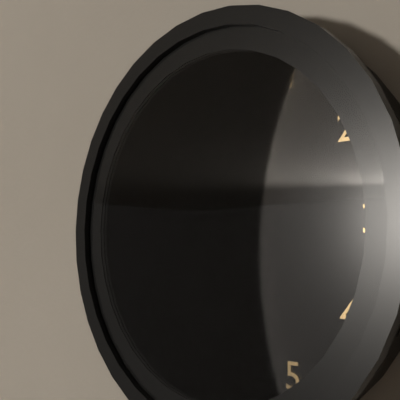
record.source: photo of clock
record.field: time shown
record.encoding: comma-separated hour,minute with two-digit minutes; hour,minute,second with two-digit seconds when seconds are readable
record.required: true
5,36
